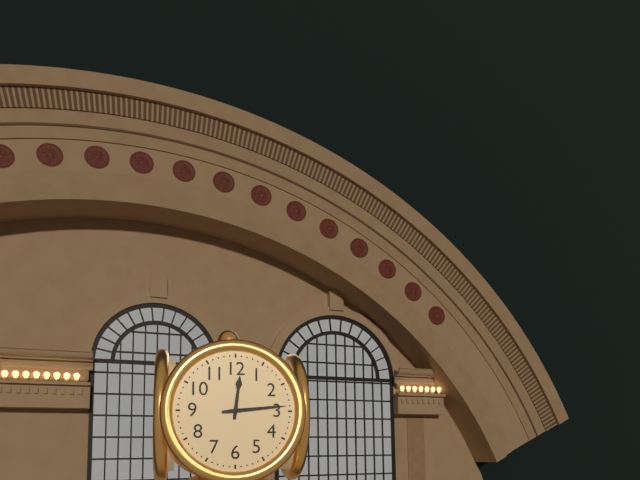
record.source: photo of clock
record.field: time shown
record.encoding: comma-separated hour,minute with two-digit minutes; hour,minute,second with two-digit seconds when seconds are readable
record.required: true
12,14
